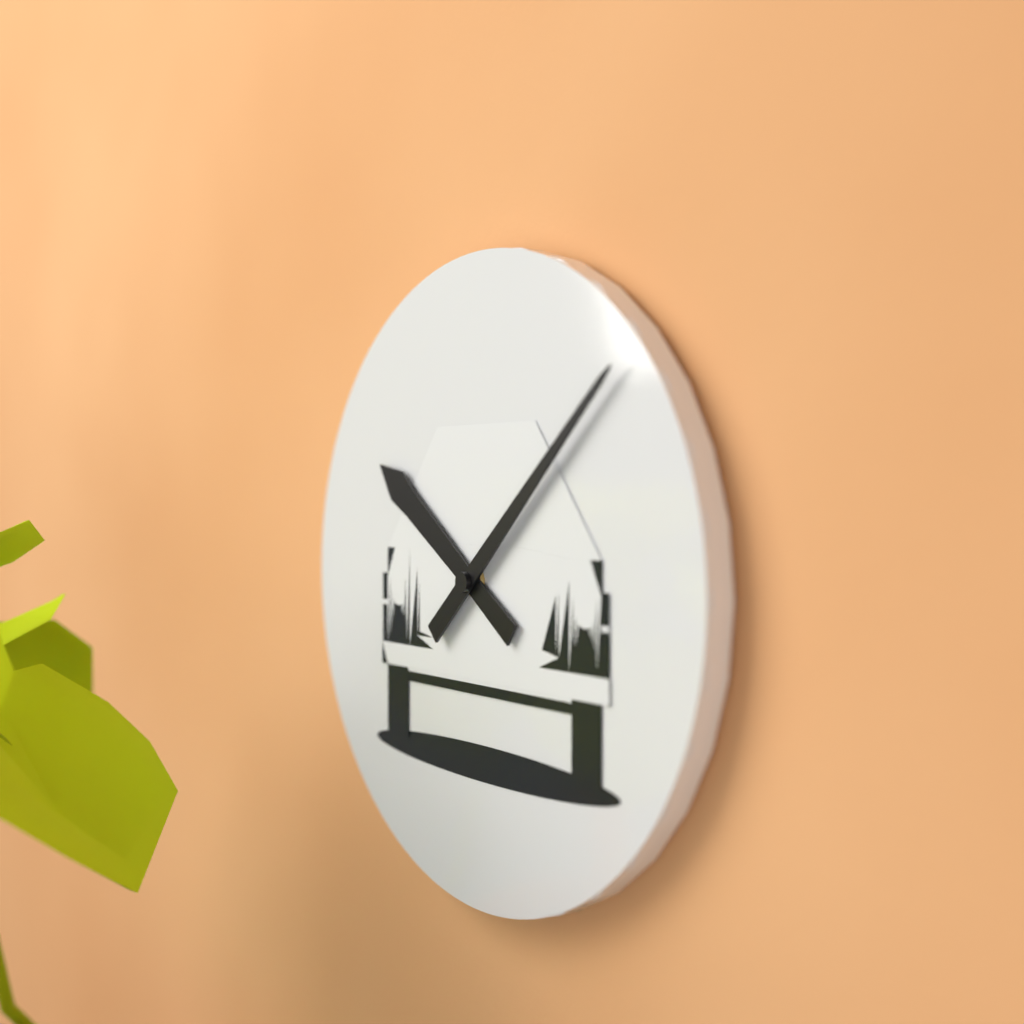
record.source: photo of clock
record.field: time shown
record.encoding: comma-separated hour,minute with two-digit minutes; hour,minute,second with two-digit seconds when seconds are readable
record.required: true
10,08
